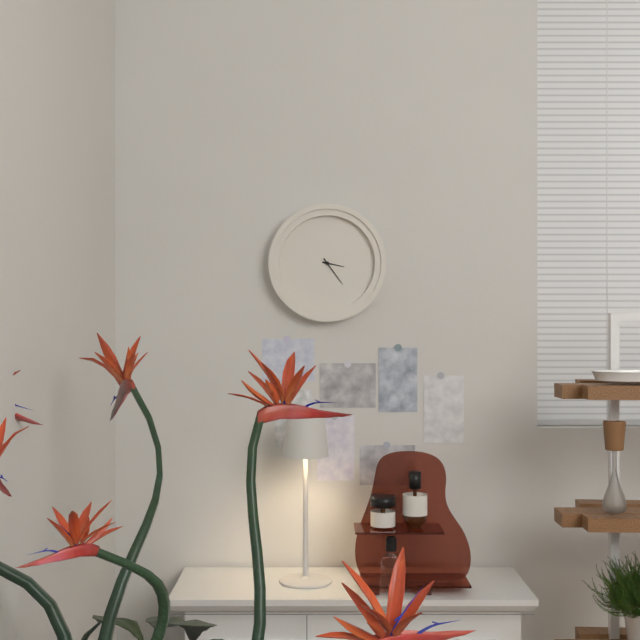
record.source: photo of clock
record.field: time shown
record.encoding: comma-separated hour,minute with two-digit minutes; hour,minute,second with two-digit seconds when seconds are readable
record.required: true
3,24
